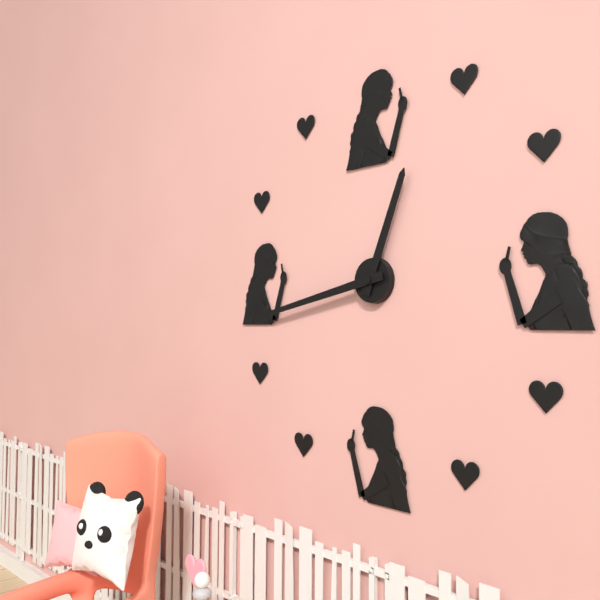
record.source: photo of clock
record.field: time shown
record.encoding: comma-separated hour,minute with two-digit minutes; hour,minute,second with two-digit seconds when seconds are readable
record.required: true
12,43
